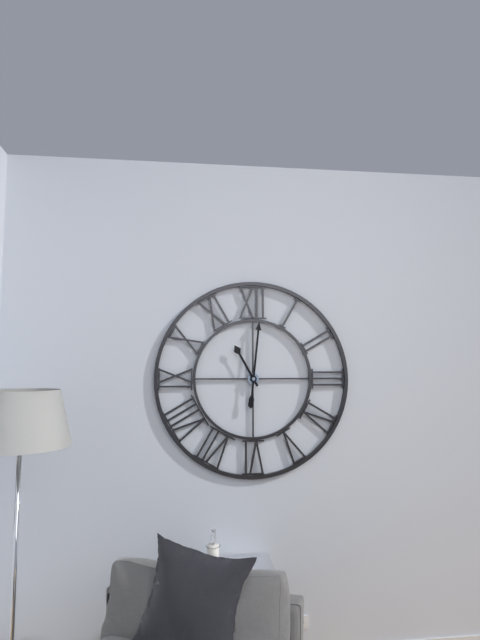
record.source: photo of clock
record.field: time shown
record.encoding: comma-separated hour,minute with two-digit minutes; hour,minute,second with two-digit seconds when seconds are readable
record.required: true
11,01
